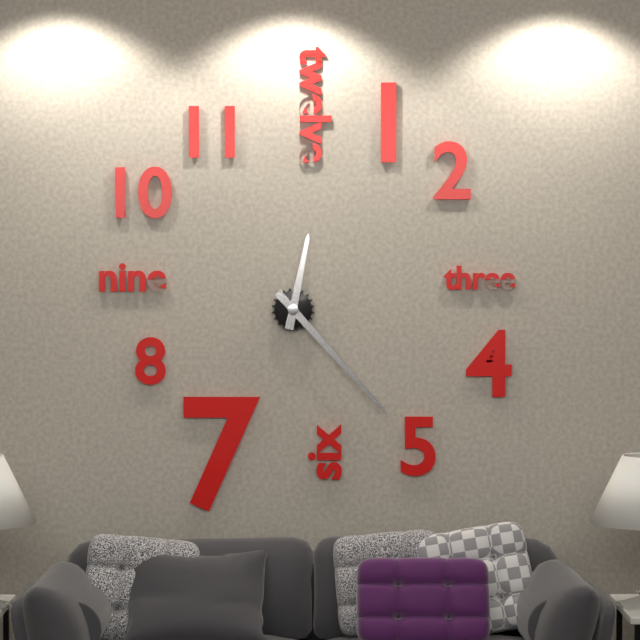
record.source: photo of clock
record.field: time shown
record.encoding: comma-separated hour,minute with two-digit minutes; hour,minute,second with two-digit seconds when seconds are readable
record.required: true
12,23
